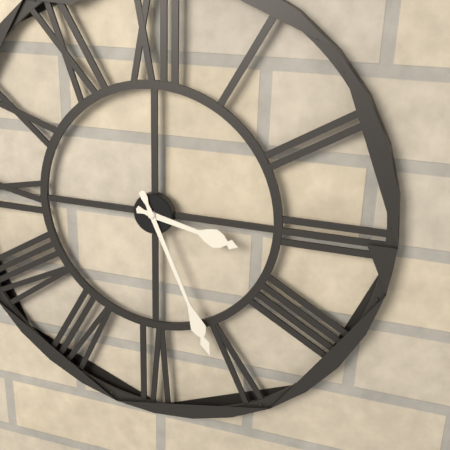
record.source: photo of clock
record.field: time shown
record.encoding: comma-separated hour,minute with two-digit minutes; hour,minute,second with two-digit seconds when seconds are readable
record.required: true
3,26
